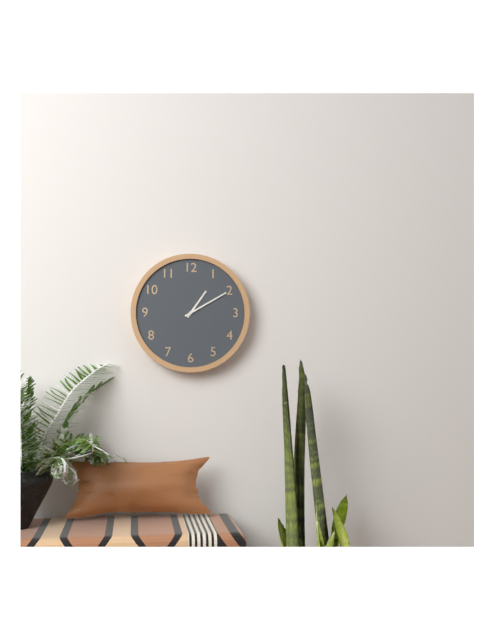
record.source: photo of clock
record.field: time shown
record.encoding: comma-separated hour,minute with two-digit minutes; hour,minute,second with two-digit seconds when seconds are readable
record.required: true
1,10
